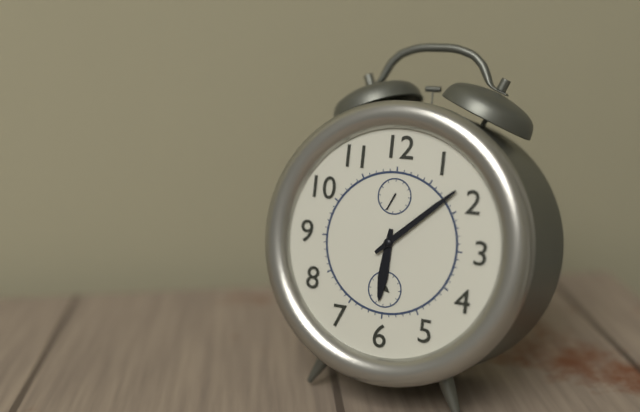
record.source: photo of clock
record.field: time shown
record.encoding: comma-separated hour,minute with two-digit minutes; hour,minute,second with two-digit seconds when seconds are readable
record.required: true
6,08
